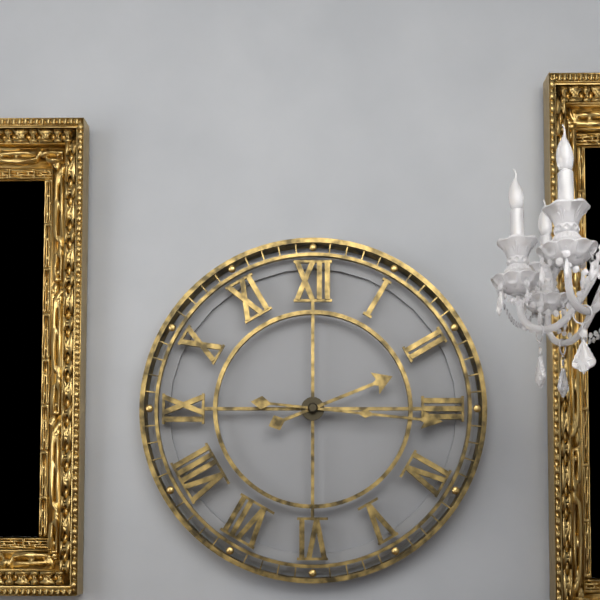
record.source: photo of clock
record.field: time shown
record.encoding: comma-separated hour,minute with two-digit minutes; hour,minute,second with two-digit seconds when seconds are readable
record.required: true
2,16
